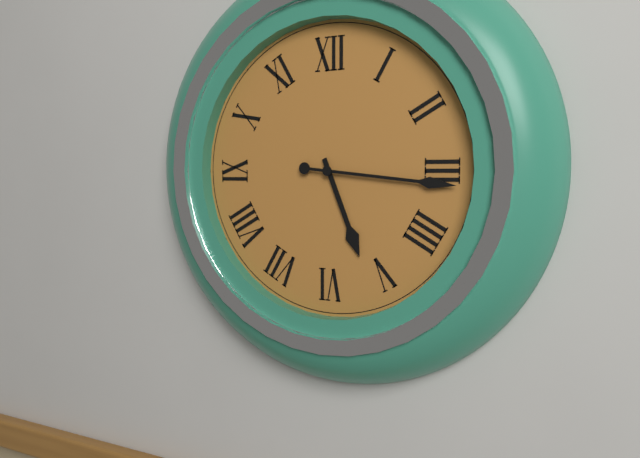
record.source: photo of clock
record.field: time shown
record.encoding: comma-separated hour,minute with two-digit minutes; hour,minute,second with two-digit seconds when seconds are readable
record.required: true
5,16
